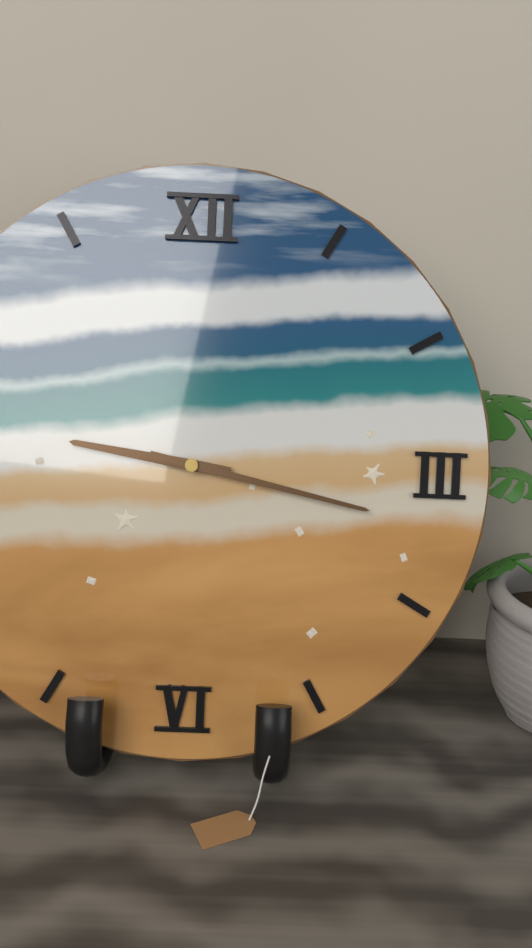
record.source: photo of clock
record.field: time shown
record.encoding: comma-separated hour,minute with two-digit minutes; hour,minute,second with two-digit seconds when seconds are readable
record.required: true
9,17
